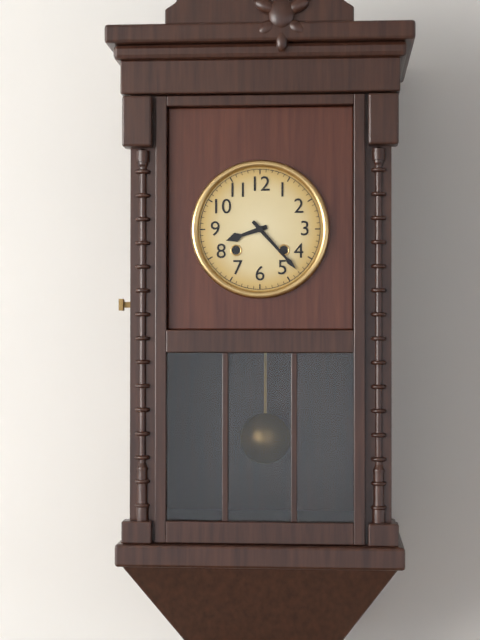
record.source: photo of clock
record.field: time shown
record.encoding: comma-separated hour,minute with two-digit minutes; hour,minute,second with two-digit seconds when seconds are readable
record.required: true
8,23
